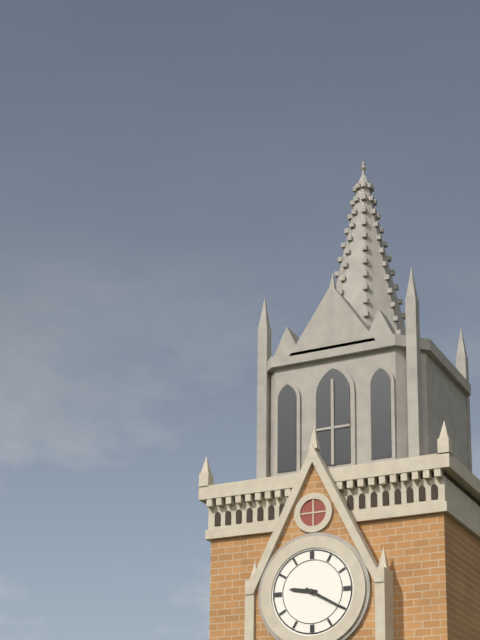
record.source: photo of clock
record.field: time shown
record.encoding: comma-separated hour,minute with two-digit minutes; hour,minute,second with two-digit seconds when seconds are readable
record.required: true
9,20
